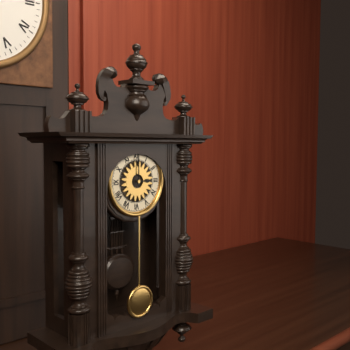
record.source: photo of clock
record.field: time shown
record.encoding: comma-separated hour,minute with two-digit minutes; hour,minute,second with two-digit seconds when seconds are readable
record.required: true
3,00
